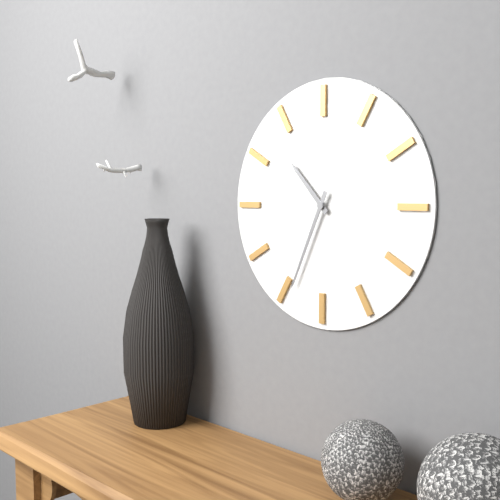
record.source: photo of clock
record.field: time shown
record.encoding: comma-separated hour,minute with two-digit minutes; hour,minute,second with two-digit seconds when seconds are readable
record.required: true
10,34
